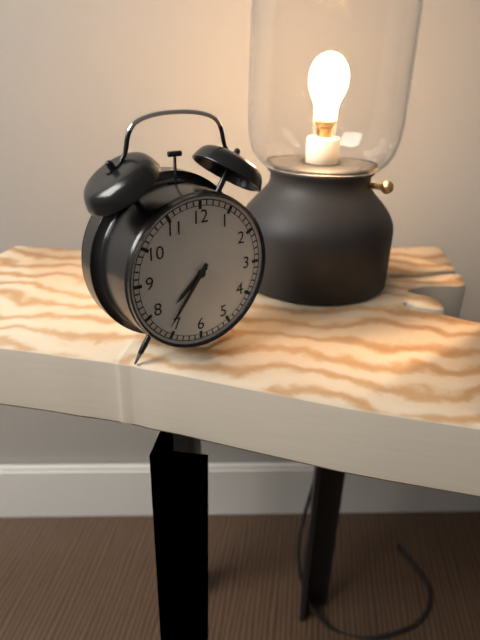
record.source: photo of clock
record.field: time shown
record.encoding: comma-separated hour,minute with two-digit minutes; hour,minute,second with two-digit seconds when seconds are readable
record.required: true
7,36
